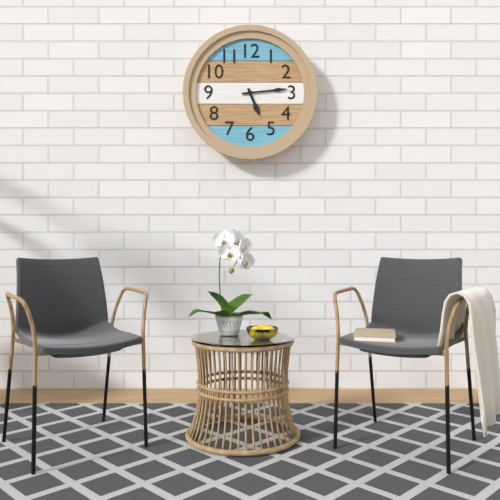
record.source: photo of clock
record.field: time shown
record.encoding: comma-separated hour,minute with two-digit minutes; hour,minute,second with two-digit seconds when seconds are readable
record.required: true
5,14
